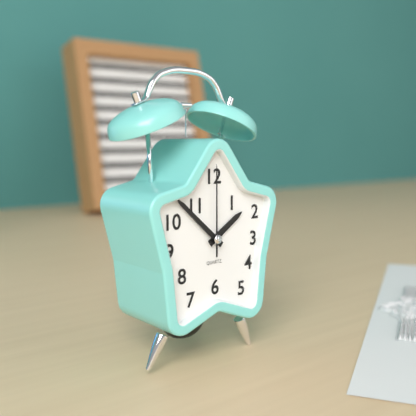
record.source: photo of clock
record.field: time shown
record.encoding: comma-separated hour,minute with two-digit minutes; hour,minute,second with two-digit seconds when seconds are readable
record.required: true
1,52,00
